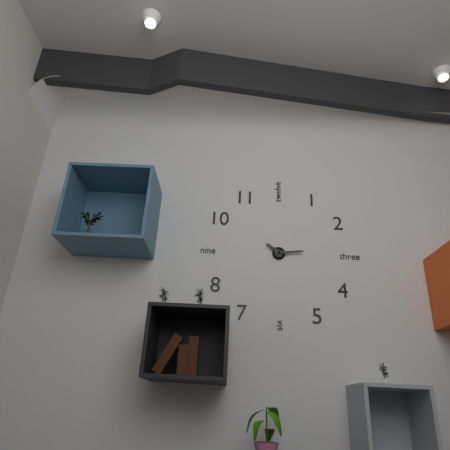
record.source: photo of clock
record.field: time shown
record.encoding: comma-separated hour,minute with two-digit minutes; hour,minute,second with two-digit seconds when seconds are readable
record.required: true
10,14
